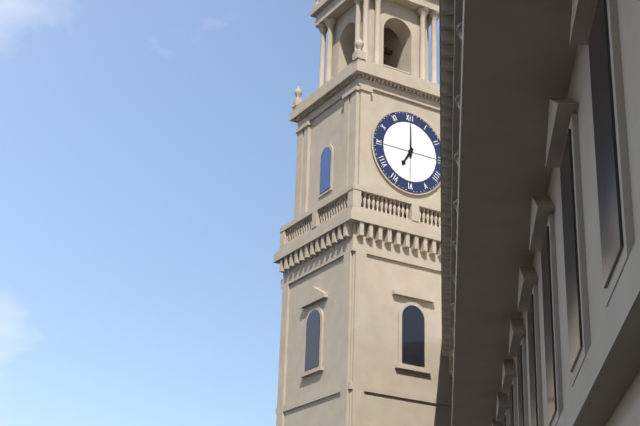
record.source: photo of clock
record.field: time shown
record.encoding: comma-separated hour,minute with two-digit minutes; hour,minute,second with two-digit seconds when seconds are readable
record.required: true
7,00
